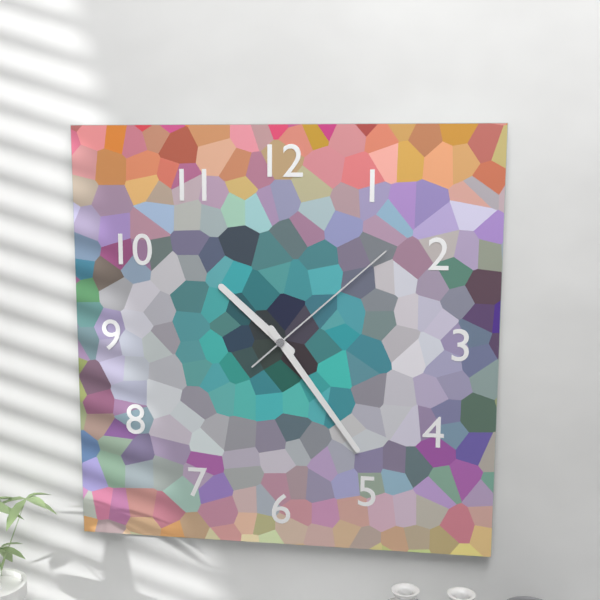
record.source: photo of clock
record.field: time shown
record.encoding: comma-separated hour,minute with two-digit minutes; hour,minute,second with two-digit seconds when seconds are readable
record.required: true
10,24,08
